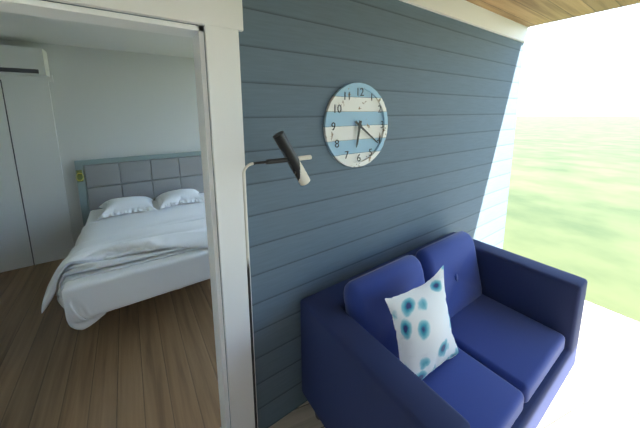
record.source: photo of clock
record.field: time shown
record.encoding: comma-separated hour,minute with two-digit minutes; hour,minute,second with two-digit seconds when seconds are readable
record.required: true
6,21
